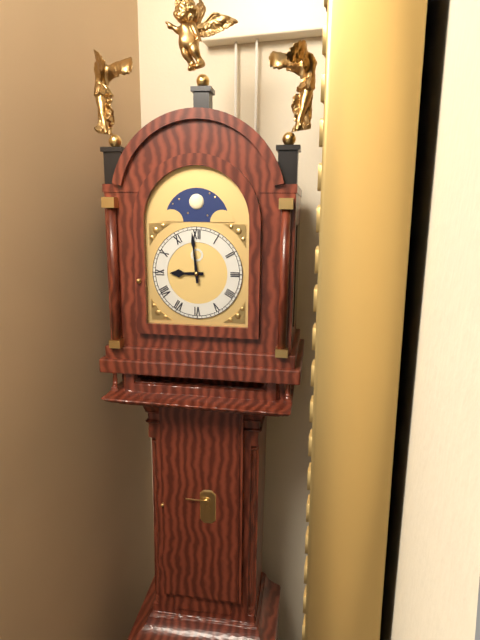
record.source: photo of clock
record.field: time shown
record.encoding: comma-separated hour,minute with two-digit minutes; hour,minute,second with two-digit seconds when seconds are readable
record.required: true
8,59
